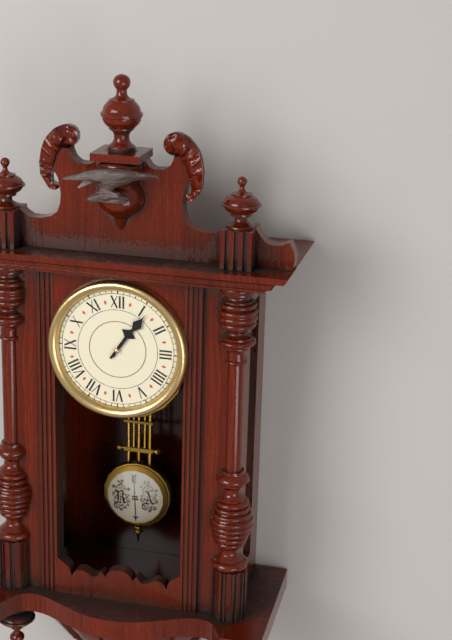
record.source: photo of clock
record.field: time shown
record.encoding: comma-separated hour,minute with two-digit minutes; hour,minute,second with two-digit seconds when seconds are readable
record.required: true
1,06
